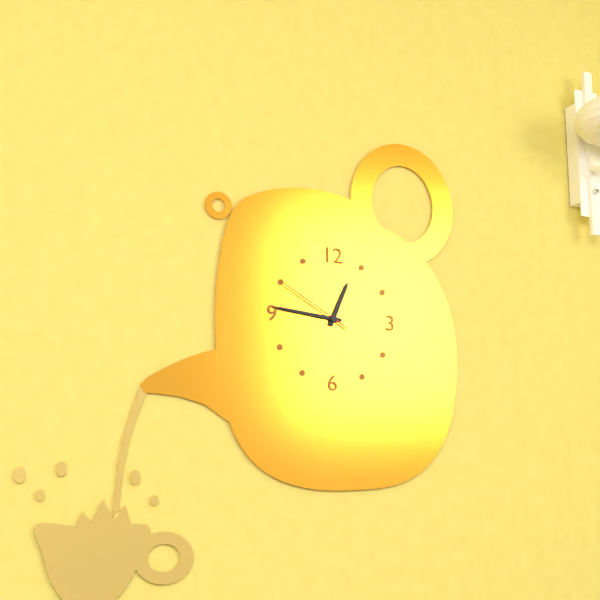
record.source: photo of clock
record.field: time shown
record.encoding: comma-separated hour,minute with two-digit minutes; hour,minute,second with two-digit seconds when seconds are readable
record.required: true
12,46,50
